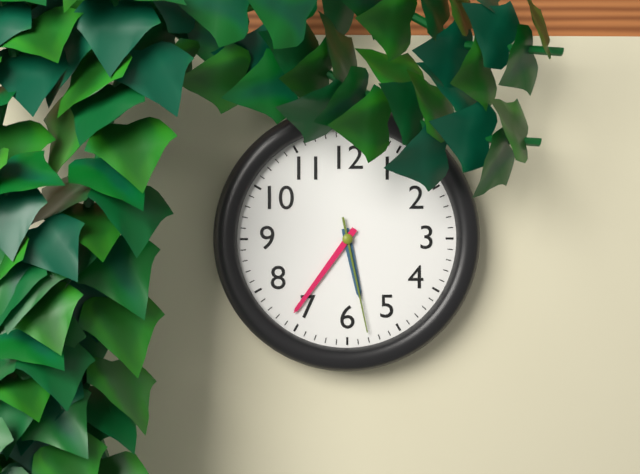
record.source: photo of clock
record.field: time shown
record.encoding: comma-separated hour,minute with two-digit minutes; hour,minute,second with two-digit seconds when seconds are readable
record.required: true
5,36,28
